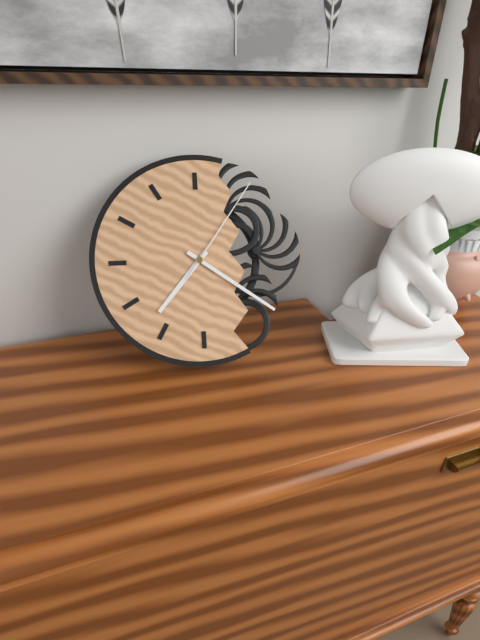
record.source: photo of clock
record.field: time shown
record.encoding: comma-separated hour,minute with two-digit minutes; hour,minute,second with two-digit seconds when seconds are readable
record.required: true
7,21,06
